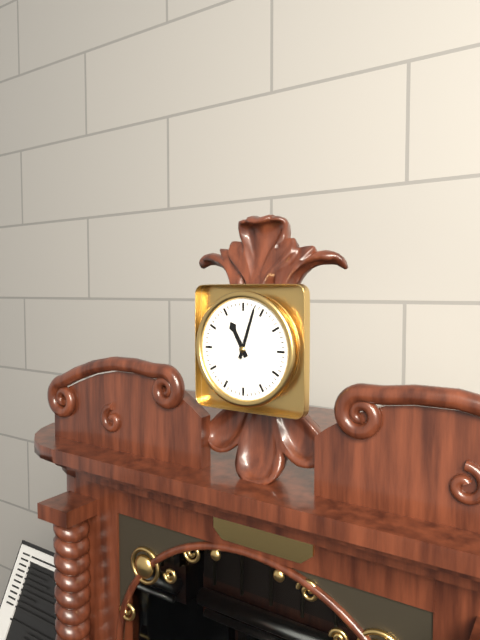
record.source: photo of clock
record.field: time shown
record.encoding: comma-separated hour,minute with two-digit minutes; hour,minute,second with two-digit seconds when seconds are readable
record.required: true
11,03
